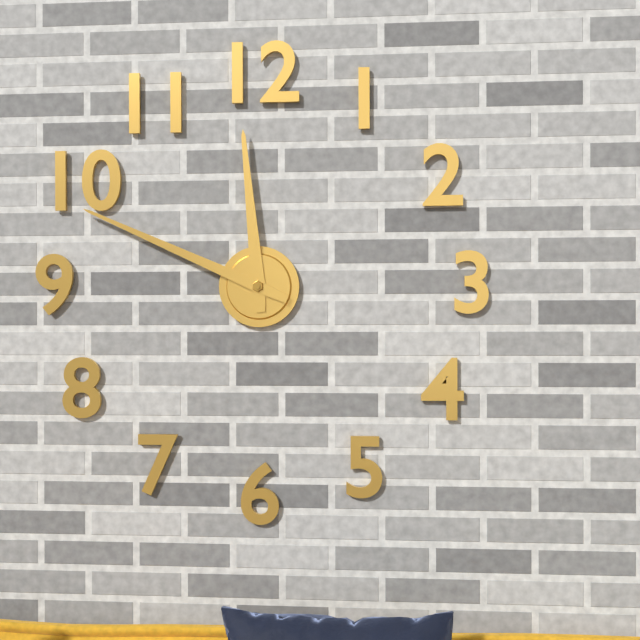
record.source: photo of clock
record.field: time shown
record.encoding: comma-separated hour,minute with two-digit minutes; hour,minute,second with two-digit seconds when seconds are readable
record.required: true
11,49
